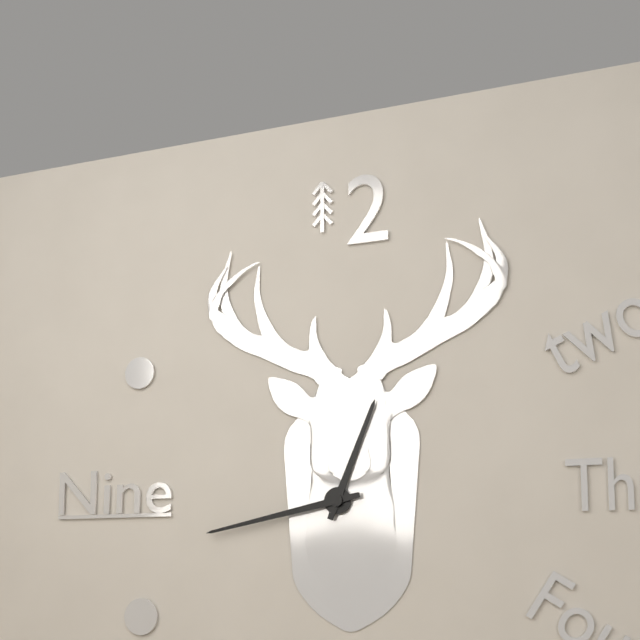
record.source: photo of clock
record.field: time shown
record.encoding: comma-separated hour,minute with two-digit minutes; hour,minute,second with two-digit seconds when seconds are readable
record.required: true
12,43
